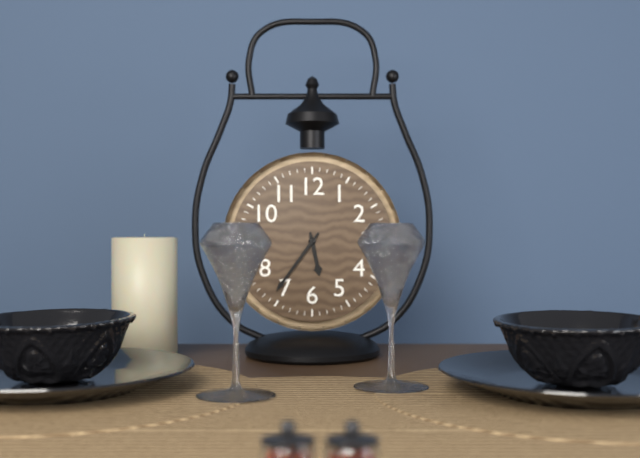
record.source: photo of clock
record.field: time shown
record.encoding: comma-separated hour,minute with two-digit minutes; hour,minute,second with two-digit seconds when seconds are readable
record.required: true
5,36
